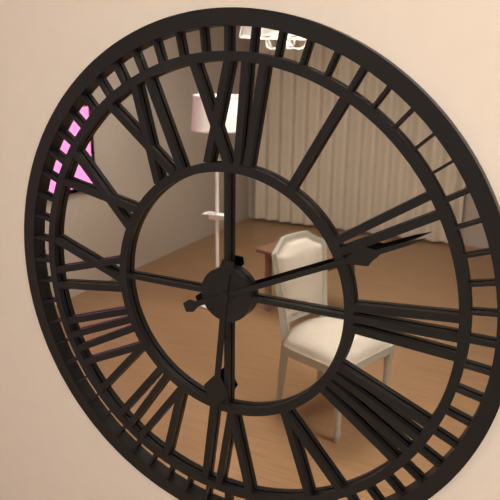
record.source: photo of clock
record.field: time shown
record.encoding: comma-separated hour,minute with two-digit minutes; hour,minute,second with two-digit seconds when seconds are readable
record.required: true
6,11
